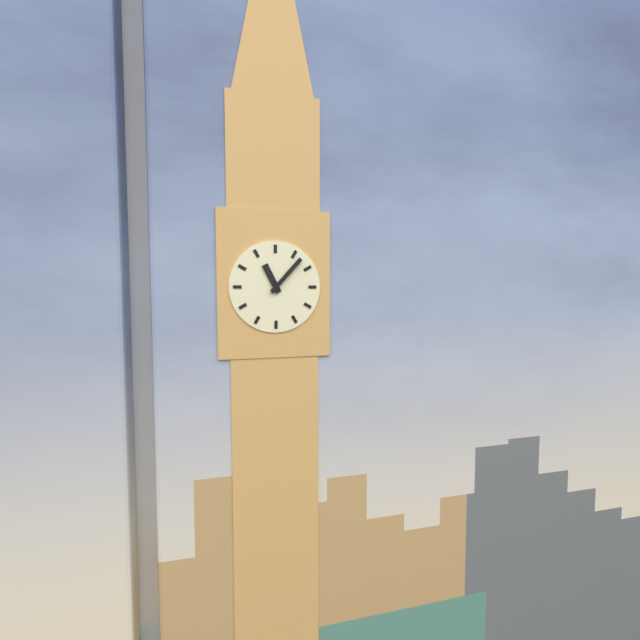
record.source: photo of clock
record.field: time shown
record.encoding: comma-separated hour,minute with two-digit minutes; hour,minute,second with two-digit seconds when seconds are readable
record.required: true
11,07
